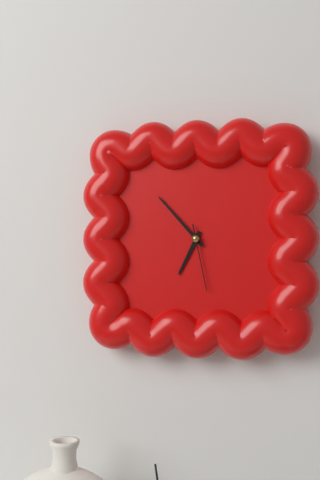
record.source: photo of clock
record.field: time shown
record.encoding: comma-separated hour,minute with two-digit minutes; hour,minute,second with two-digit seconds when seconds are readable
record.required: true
6,53,28
